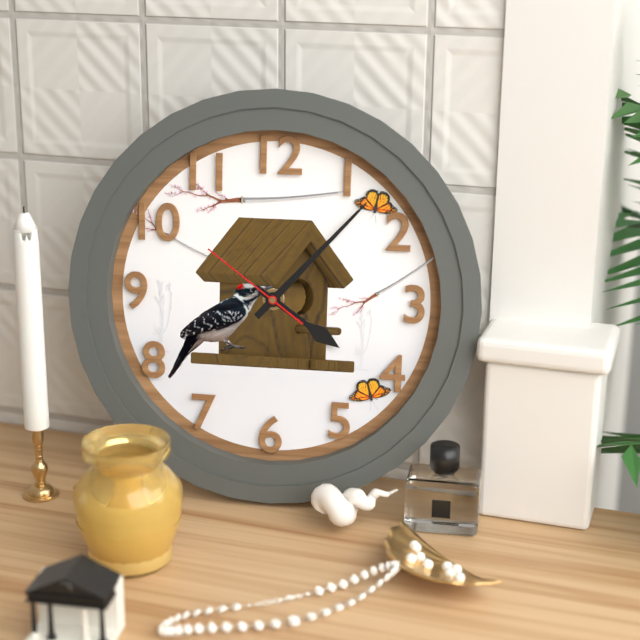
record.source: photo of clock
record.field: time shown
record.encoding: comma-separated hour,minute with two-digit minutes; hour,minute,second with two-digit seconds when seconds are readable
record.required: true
4,07,51
